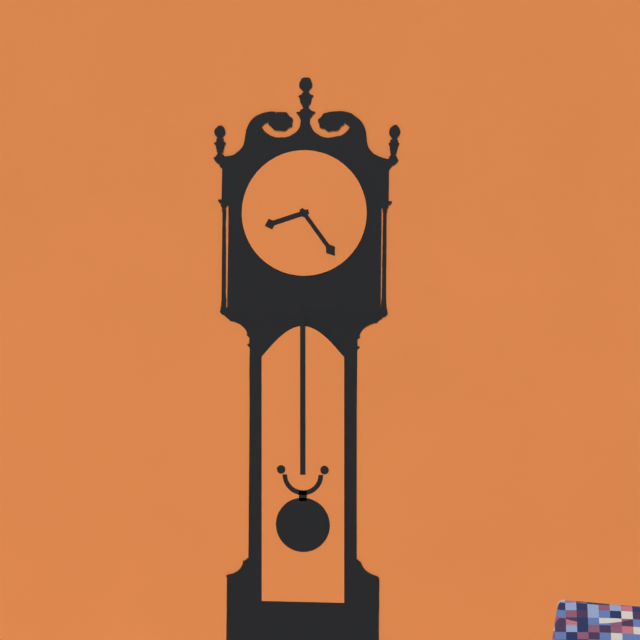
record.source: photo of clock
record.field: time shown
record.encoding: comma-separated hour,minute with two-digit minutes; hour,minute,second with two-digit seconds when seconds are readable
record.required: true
8,24
